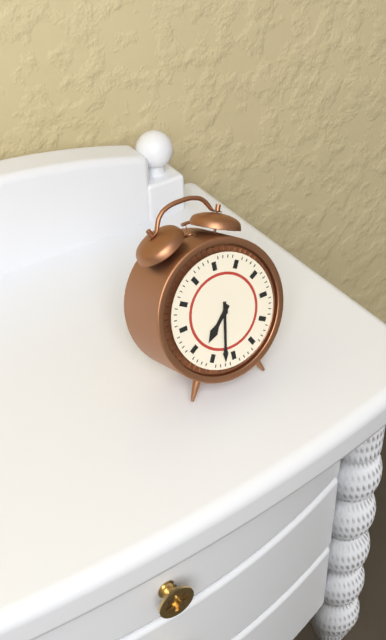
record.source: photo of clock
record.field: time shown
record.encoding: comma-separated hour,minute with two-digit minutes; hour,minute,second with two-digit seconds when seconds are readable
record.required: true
7,32
